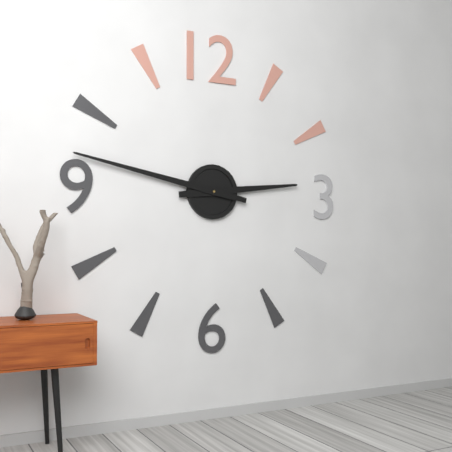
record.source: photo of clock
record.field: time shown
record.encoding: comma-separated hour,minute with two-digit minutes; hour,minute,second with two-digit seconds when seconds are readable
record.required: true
2,47
